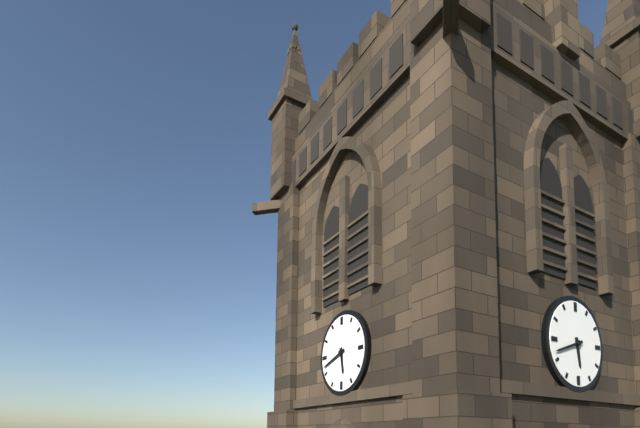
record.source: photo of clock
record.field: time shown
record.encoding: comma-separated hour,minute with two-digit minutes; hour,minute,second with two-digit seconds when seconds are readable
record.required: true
5,42
